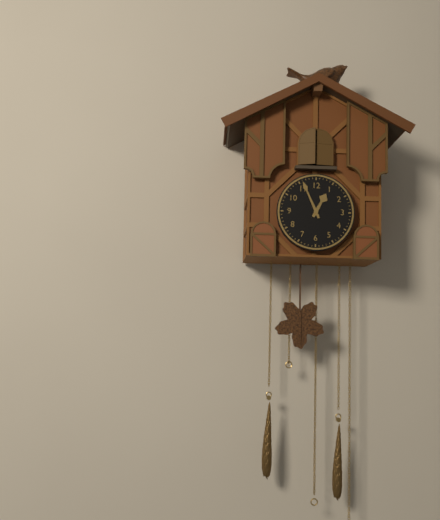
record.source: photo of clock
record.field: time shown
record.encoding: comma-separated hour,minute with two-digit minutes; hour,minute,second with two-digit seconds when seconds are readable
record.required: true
12,56
